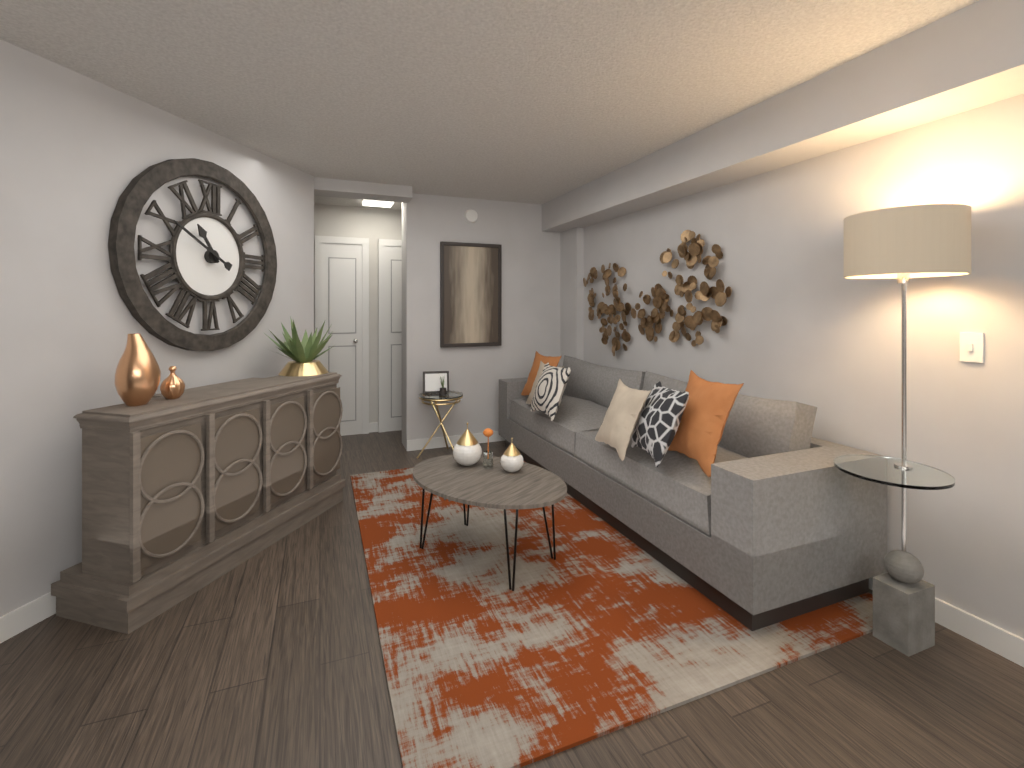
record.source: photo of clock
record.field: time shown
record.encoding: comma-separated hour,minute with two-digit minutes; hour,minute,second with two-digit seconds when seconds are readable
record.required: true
10,50
